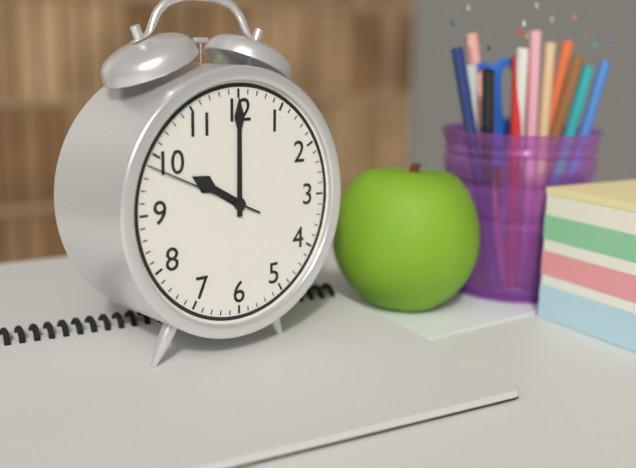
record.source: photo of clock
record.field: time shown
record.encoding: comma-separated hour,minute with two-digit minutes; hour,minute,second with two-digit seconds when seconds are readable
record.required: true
10,00,49
